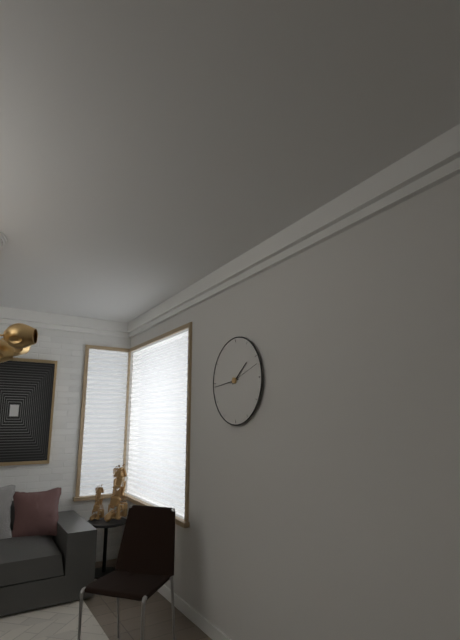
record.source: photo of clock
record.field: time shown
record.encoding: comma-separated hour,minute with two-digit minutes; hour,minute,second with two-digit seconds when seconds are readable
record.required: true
1,44
